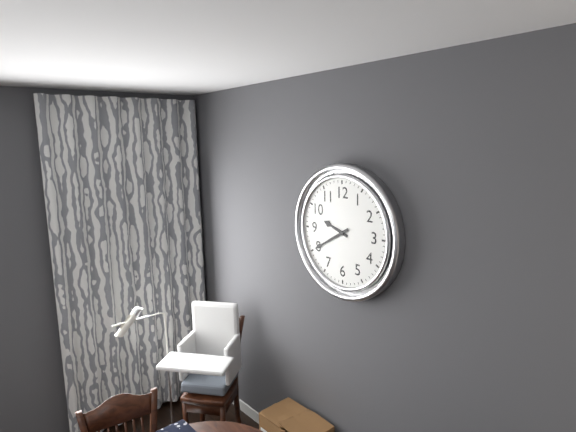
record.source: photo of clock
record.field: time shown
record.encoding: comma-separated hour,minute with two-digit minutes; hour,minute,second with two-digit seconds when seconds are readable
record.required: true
9,40
